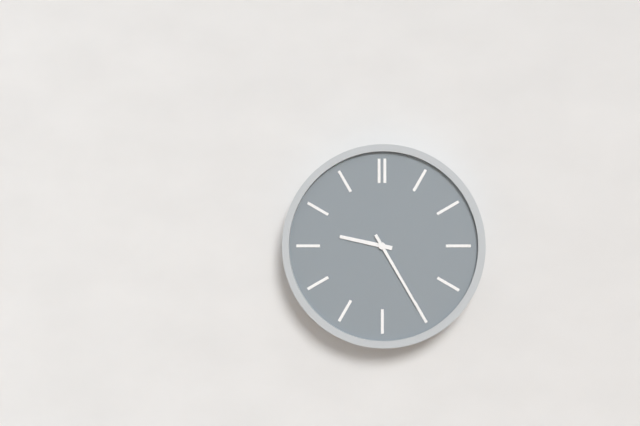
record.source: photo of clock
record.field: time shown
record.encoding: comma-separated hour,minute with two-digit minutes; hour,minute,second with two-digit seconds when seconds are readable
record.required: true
9,25
